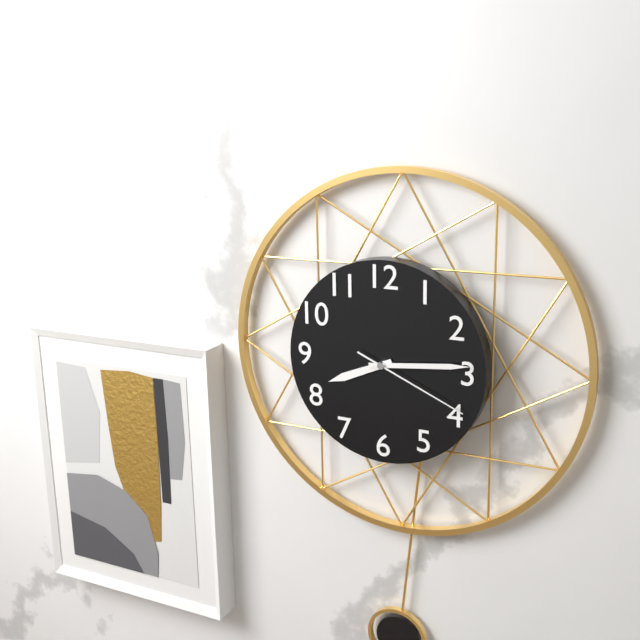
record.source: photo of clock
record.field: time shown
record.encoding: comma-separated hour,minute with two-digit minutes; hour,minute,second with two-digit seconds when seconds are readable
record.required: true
8,14,19
